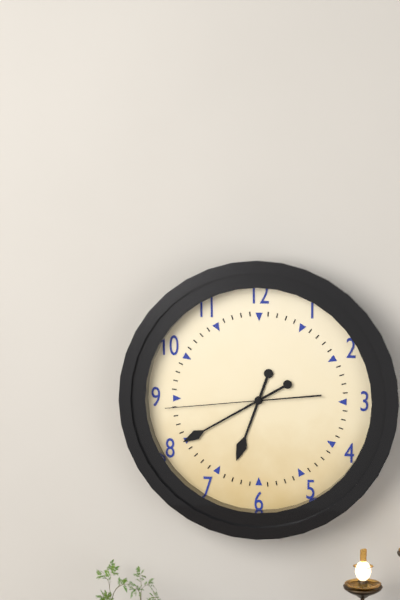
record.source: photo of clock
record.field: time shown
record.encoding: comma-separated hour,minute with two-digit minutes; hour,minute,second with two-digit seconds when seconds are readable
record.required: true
6,40,44
